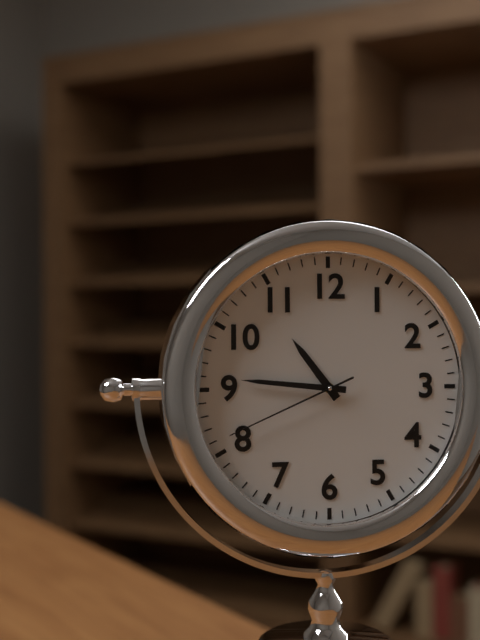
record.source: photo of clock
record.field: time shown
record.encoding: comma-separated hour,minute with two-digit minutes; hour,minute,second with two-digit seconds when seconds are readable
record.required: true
10,46,41
